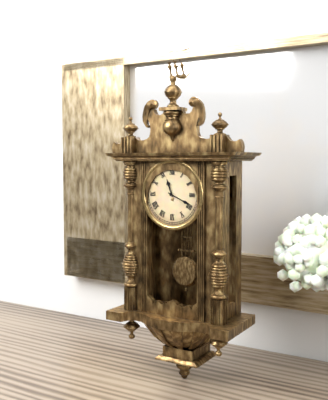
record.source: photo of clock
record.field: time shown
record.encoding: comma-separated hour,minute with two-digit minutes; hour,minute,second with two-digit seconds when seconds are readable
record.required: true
11,19
